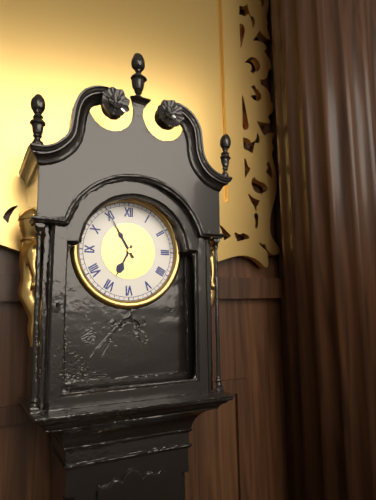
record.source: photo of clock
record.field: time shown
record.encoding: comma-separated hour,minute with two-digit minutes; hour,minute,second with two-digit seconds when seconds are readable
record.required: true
6,55
